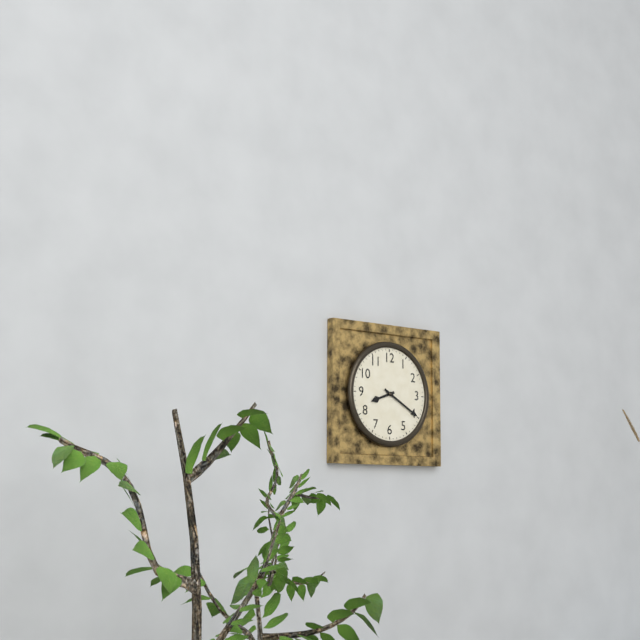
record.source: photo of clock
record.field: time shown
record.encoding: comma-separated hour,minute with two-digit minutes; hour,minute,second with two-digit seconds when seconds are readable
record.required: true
8,20
